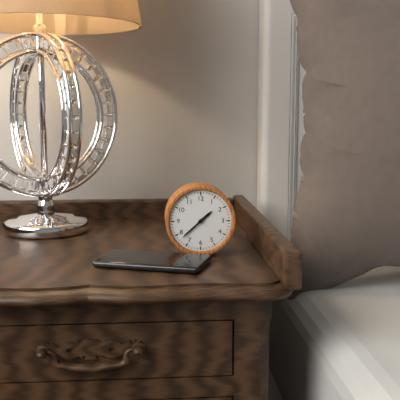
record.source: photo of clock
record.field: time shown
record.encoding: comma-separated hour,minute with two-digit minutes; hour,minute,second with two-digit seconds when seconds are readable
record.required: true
1,38
